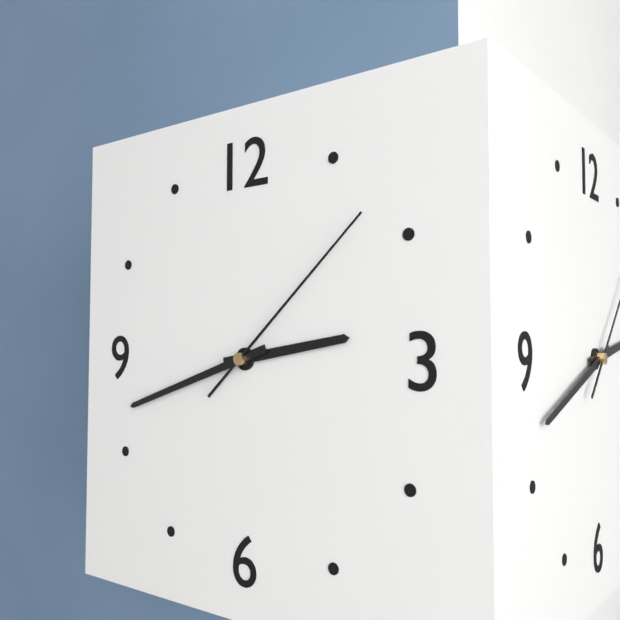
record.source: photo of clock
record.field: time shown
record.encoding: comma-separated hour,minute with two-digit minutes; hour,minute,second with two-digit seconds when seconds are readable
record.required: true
2,42,08
